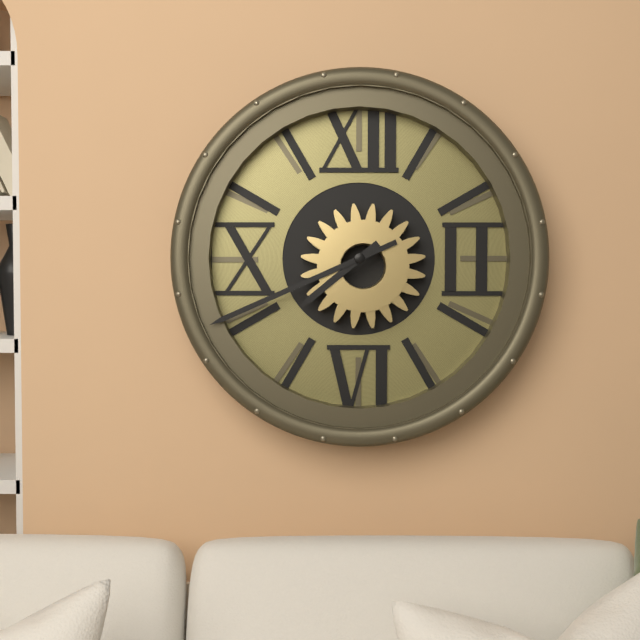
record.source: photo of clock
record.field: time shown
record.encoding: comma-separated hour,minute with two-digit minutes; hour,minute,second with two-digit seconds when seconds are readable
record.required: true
7,41
